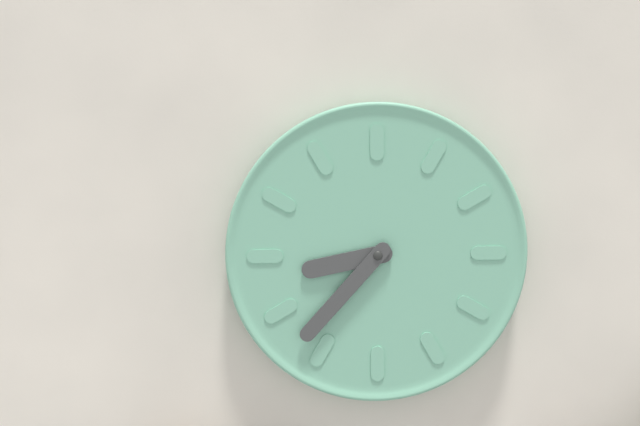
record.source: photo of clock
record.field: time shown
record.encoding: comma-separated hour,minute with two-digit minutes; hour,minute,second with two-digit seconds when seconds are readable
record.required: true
8,37
